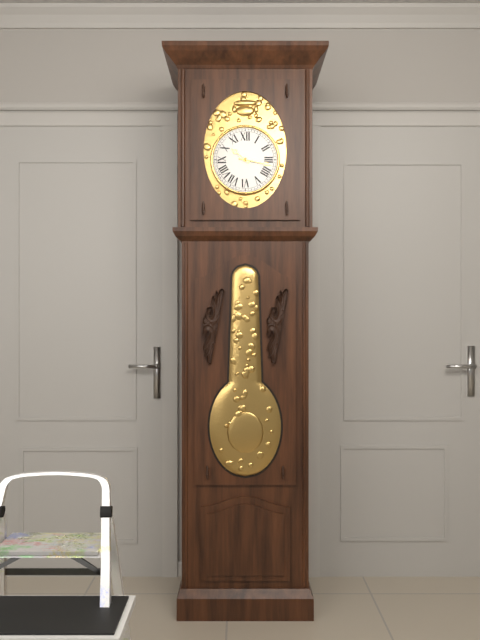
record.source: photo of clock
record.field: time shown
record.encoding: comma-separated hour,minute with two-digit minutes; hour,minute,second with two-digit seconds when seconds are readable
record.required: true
10,17
